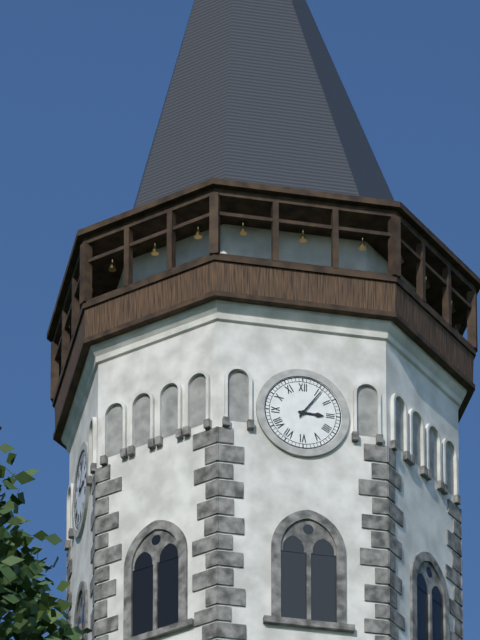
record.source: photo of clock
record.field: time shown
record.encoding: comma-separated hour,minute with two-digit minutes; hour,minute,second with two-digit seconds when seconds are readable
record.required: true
3,06
